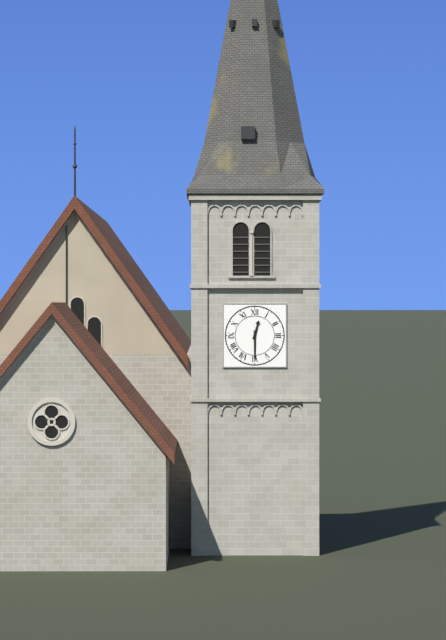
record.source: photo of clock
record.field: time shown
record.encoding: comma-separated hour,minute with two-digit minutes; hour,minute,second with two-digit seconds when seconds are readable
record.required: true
12,30
